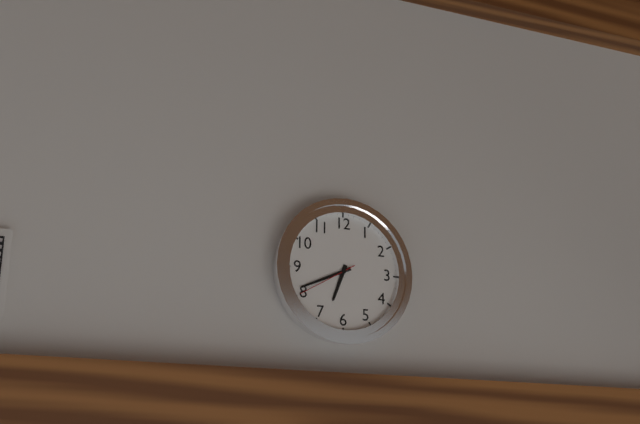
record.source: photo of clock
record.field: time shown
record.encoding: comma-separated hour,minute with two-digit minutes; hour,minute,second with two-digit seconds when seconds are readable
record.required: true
6,41,40
